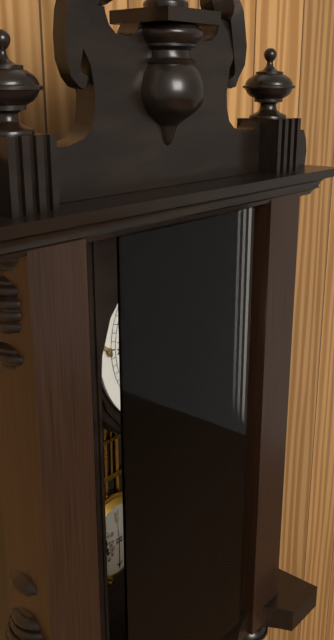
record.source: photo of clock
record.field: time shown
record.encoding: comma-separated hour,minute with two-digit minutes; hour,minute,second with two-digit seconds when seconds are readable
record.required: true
10,32
